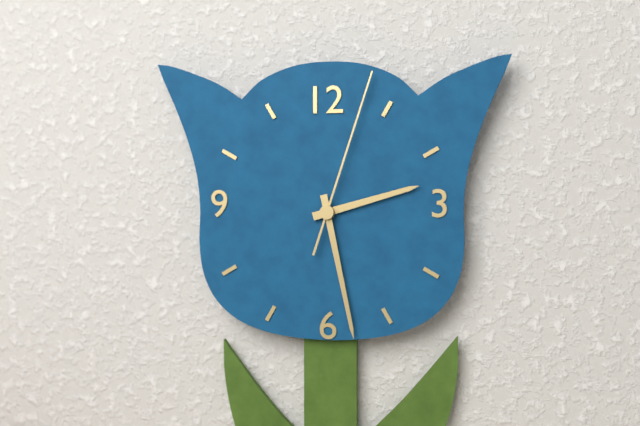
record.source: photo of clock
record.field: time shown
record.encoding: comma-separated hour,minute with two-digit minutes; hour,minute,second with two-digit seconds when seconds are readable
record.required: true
2,28,03
